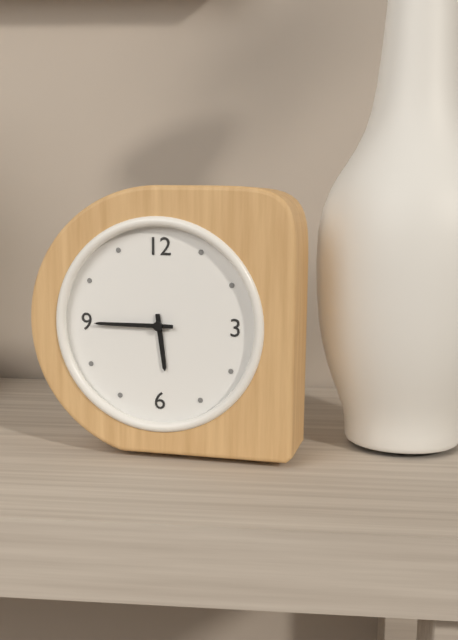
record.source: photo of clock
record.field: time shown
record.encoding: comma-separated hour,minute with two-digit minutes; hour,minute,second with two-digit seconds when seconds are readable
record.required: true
5,45
